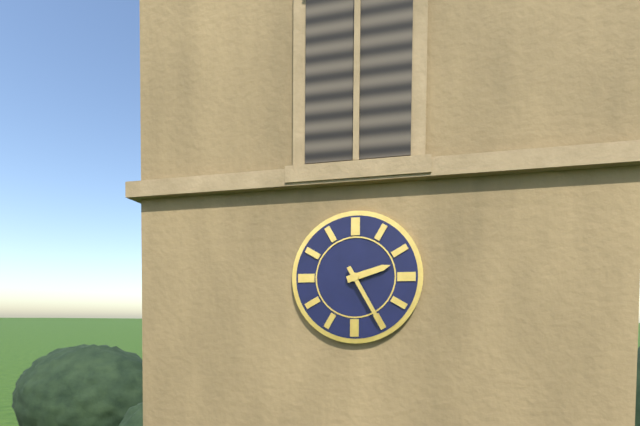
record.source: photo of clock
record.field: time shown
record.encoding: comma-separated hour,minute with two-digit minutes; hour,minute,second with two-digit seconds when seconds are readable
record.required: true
2,25
